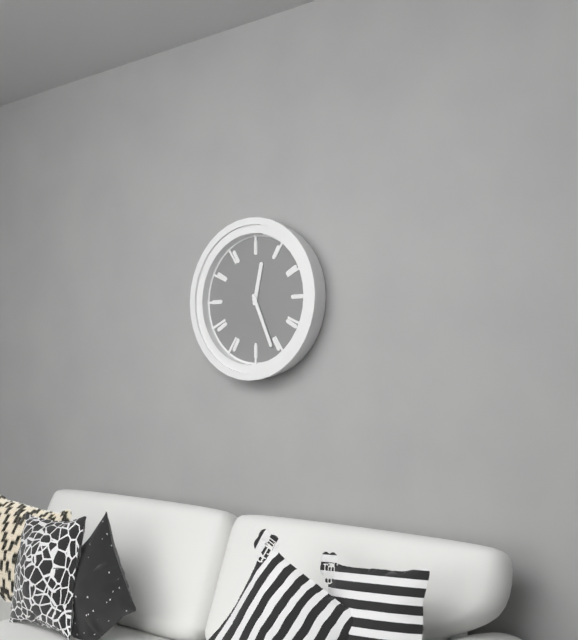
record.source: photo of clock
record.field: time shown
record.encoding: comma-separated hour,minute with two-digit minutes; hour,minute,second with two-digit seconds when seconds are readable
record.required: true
12,26
